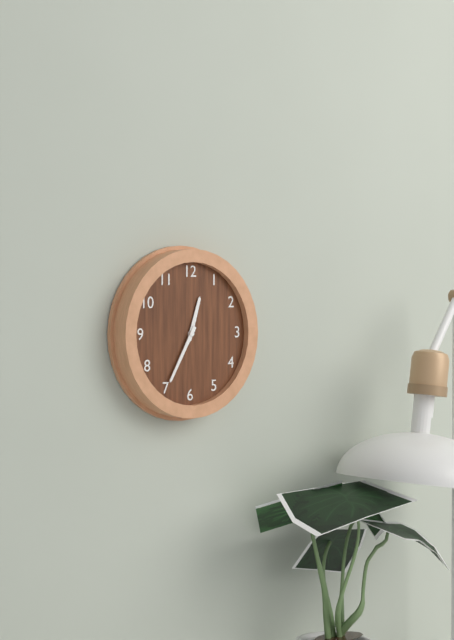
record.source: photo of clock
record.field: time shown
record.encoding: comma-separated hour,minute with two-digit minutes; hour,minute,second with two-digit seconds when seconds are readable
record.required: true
12,35
